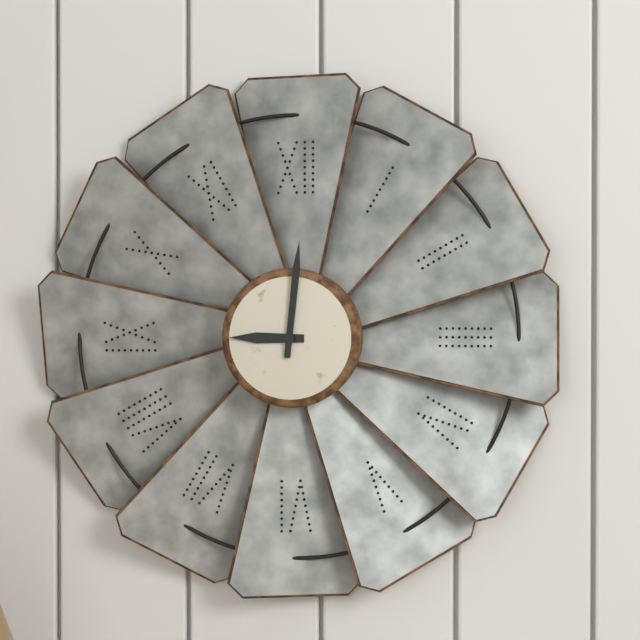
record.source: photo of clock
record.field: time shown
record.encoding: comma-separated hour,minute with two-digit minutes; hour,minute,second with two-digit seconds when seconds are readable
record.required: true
9,01
